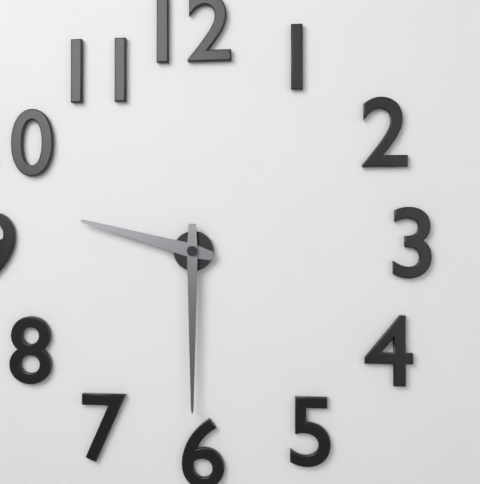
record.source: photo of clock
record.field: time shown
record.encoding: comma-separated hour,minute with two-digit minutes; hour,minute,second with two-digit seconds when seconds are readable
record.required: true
9,30
